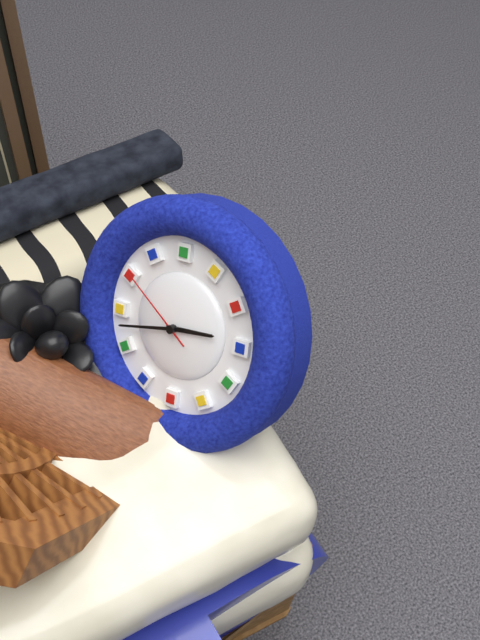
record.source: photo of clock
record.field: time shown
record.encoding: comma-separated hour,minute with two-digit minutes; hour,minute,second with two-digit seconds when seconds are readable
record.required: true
3,48,56
